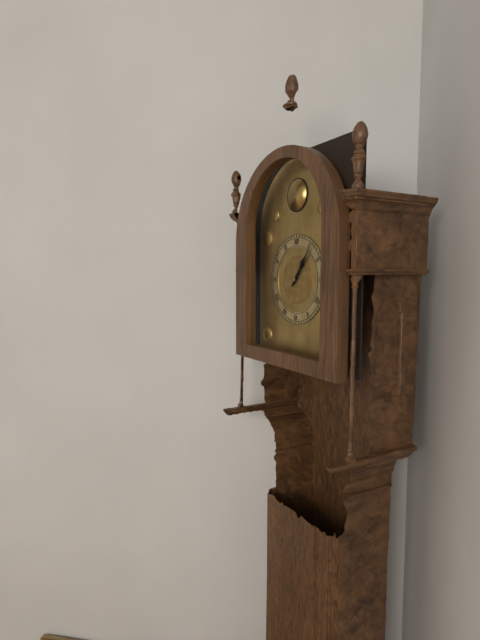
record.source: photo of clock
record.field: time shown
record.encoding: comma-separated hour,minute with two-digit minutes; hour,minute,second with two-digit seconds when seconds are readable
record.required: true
1,06
